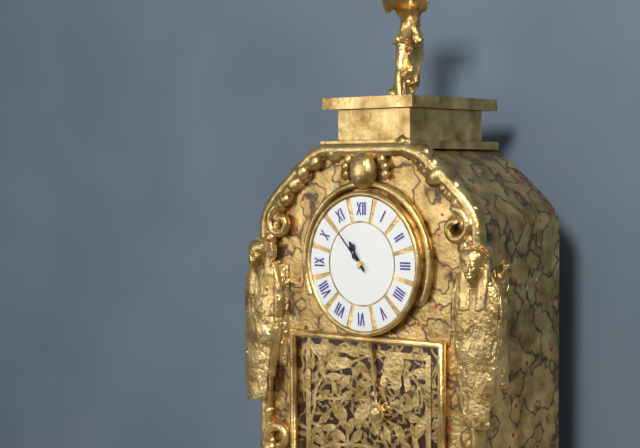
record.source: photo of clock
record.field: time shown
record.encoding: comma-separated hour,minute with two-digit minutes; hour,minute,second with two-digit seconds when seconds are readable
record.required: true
10,53
